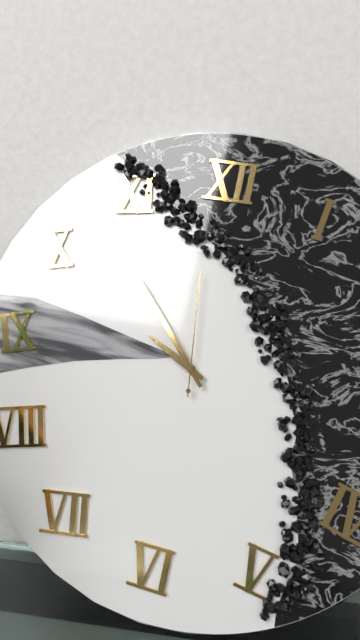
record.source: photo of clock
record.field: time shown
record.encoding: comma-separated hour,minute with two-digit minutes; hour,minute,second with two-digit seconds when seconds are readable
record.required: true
9,53,59
